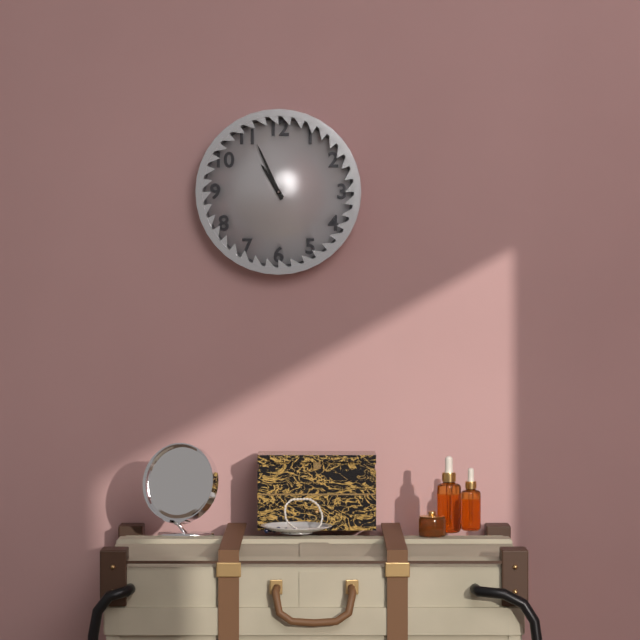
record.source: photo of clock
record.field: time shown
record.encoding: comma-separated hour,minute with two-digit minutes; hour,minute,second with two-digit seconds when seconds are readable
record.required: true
10,56
